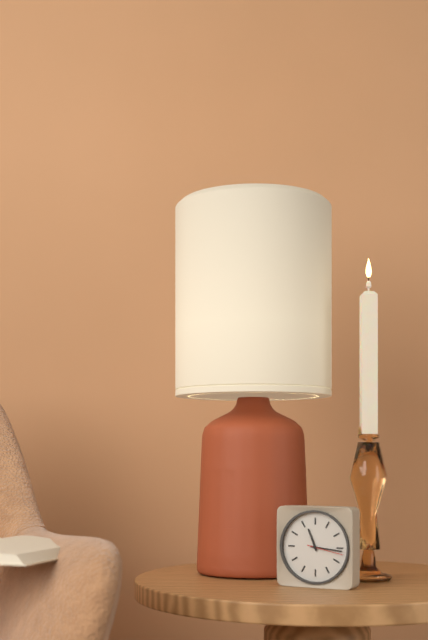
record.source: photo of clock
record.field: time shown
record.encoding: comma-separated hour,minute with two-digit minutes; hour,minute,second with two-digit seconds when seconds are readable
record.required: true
11,16
